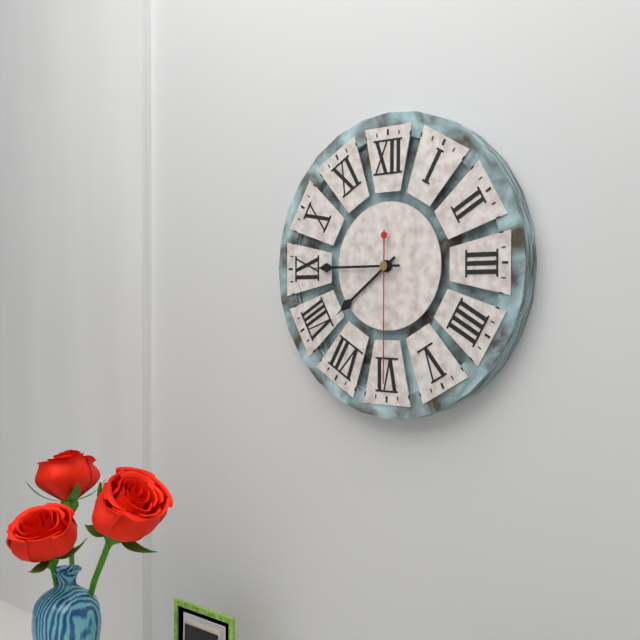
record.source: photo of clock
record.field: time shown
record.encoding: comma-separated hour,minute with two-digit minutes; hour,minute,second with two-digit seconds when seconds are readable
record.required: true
7,45,30
